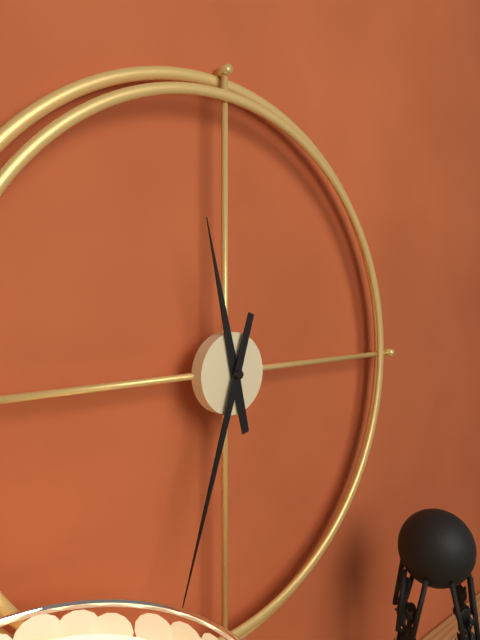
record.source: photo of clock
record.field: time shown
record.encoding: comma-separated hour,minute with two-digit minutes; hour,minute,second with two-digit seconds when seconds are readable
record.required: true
11,33
